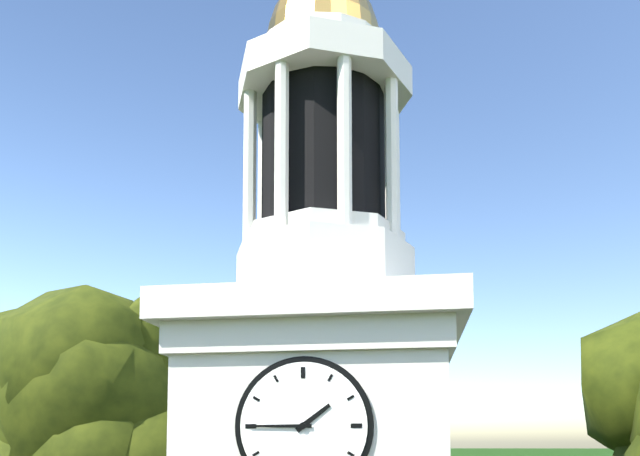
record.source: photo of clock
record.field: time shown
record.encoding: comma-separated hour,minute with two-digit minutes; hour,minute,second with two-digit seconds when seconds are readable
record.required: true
1,45
